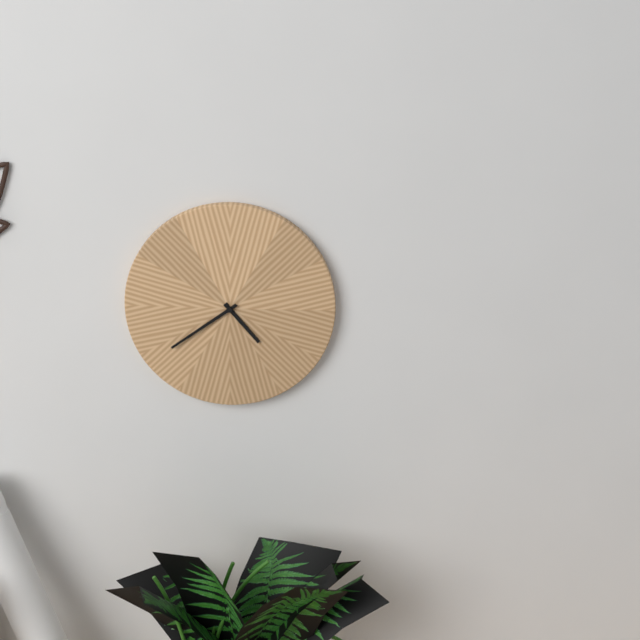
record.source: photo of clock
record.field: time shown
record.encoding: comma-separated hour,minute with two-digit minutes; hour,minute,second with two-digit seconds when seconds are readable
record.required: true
4,39
